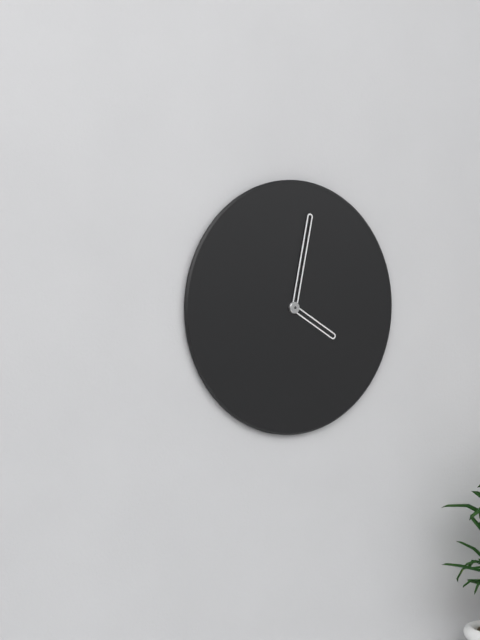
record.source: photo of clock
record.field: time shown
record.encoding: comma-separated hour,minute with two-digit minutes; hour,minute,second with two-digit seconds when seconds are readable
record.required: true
4,02
